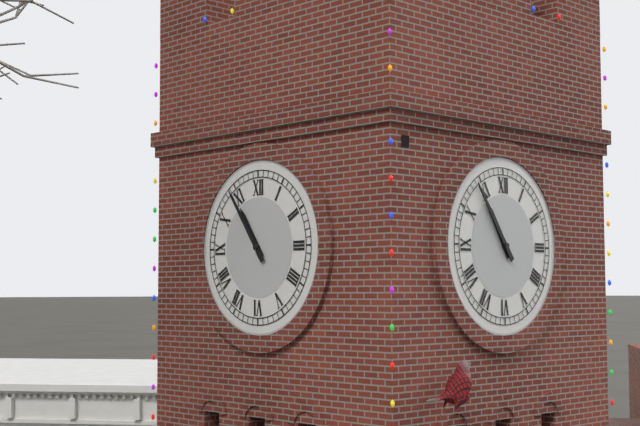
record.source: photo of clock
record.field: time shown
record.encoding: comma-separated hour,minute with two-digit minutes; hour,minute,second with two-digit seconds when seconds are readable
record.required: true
10,54
